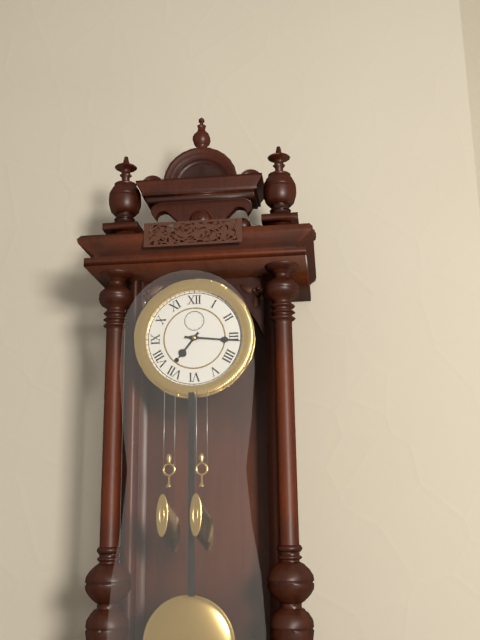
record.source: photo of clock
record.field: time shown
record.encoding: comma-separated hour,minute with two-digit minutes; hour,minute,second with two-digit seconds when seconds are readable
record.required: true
7,16
